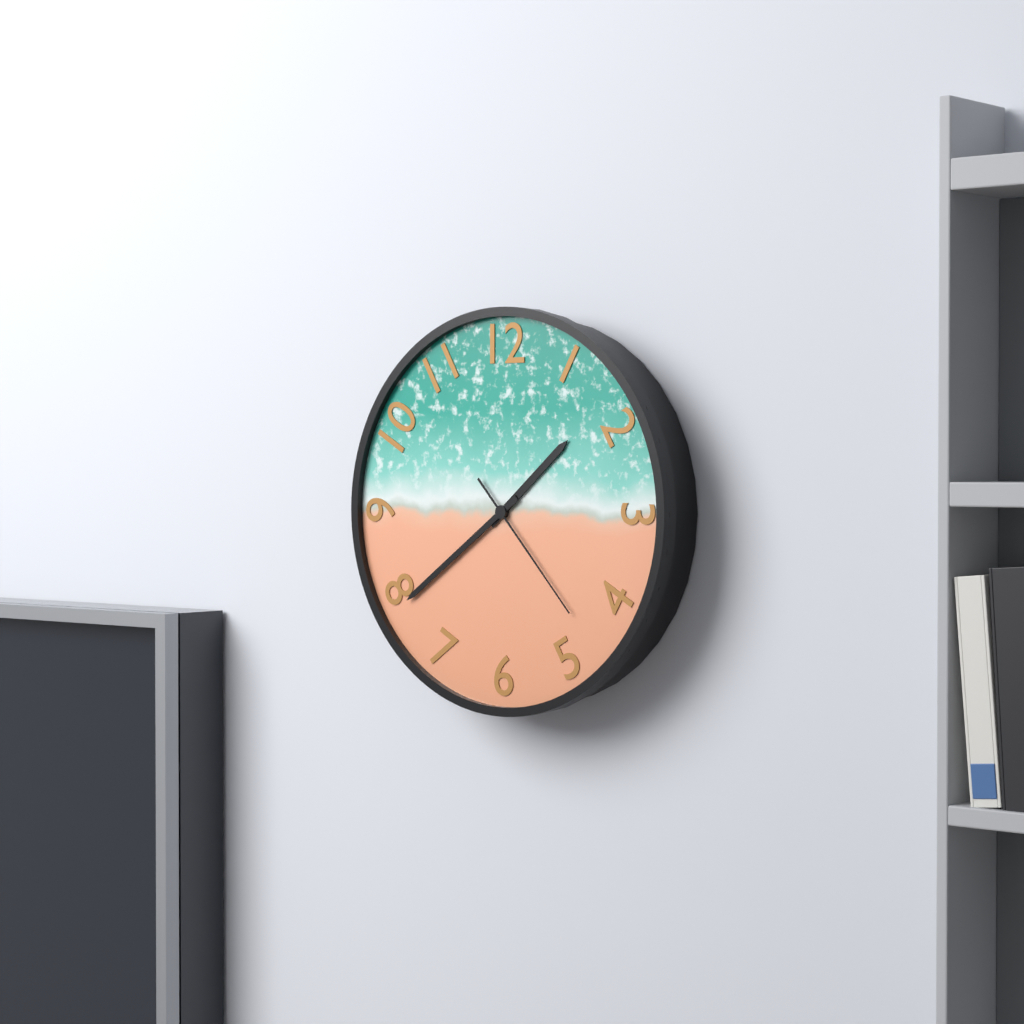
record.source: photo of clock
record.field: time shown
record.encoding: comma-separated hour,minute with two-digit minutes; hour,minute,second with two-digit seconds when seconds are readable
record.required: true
1,39,23
